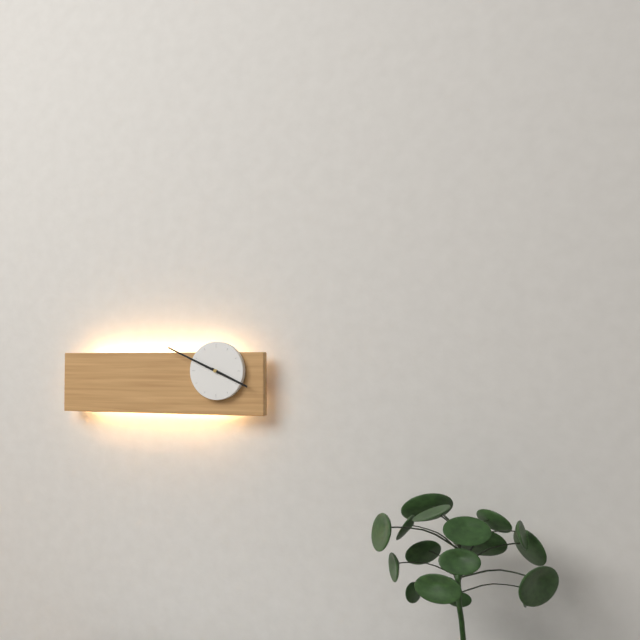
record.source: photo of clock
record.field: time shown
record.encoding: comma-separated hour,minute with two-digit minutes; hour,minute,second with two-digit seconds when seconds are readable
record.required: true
3,49
